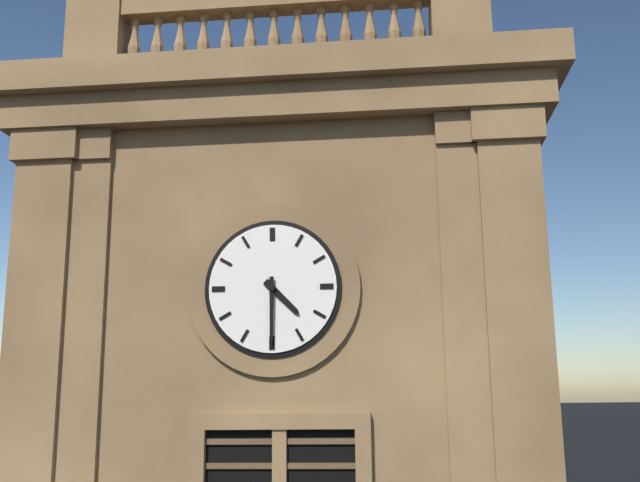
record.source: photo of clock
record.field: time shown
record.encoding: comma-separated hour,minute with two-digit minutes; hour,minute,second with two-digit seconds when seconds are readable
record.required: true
4,30
